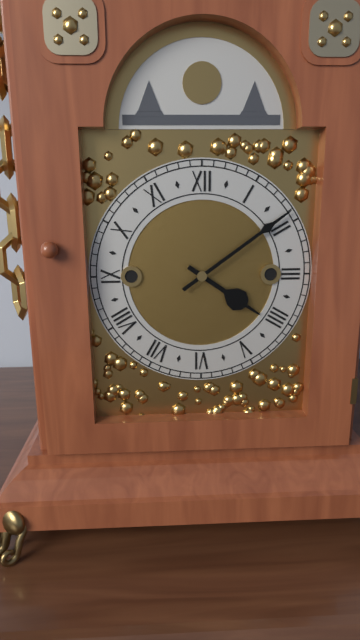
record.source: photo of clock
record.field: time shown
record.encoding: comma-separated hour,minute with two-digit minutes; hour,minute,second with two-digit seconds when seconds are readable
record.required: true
4,09
